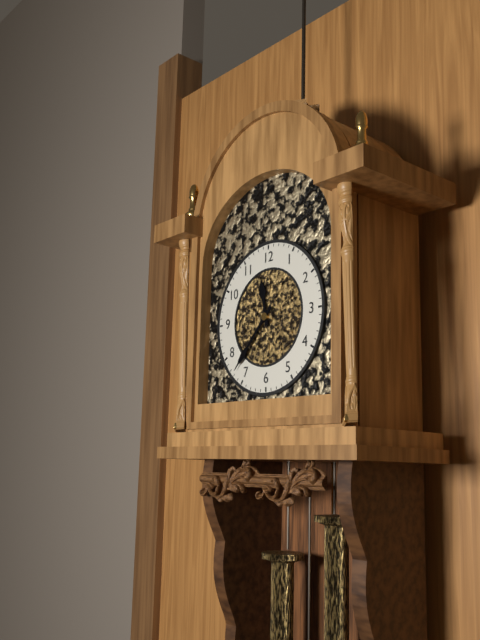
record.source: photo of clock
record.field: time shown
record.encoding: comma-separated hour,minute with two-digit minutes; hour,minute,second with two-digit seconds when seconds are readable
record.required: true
11,37
